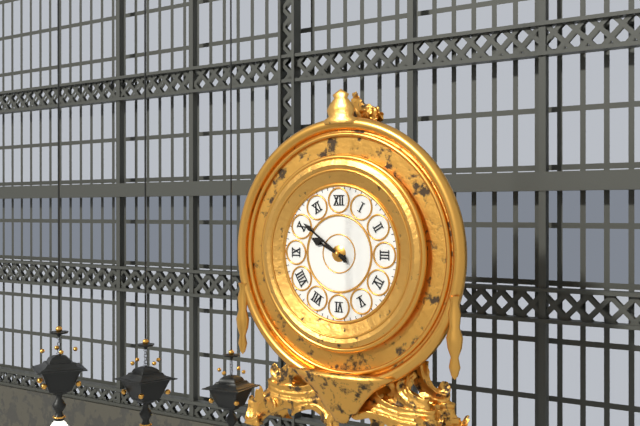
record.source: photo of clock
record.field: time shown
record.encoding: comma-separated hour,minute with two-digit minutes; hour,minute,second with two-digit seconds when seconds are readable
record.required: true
9,51
